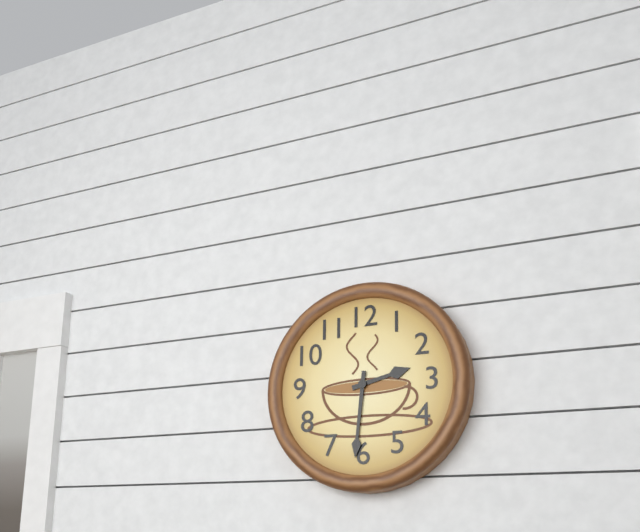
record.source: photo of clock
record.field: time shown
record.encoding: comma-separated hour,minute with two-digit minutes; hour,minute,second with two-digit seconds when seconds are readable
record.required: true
2,31
